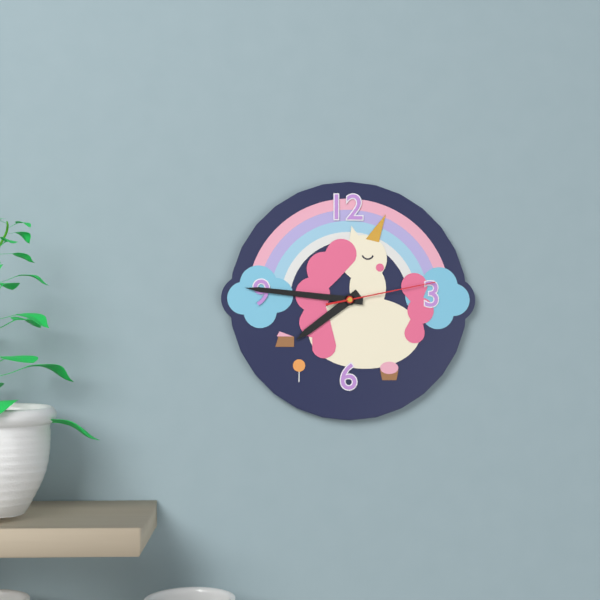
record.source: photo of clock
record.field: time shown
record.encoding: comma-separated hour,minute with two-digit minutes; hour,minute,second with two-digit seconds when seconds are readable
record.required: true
7,46,13
